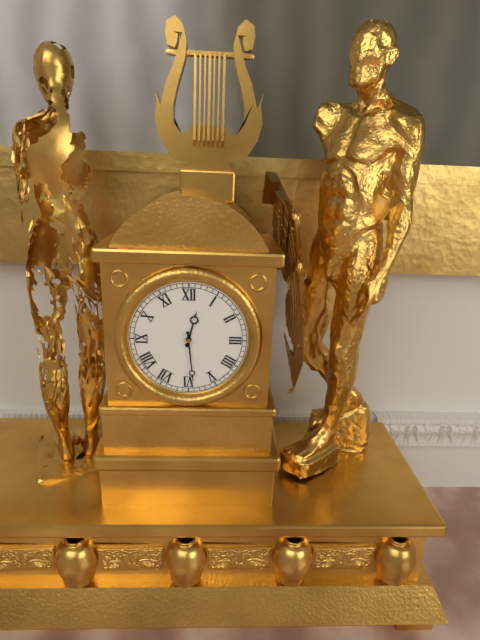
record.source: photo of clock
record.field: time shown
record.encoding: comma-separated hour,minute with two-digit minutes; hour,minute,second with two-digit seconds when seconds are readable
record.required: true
12,29
